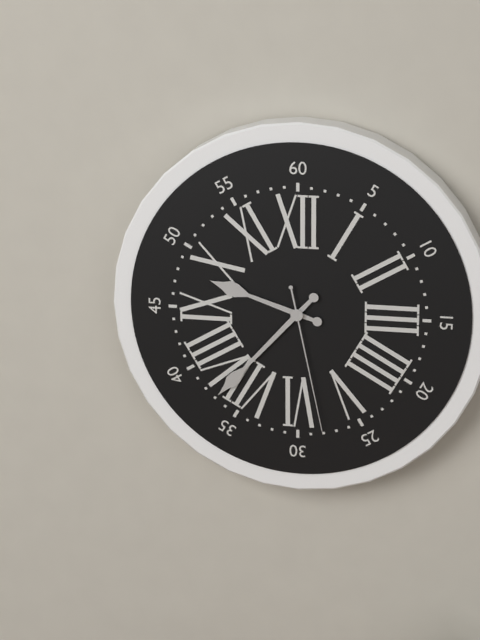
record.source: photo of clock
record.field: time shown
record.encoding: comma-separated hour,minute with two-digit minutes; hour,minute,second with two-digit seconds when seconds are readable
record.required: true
9,37,28
